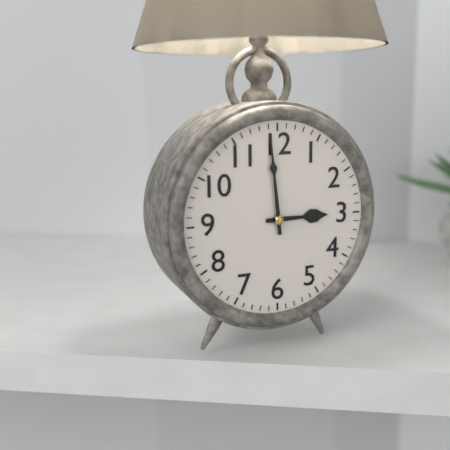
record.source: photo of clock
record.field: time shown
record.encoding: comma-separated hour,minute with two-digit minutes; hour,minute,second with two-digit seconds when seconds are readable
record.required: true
2,59
